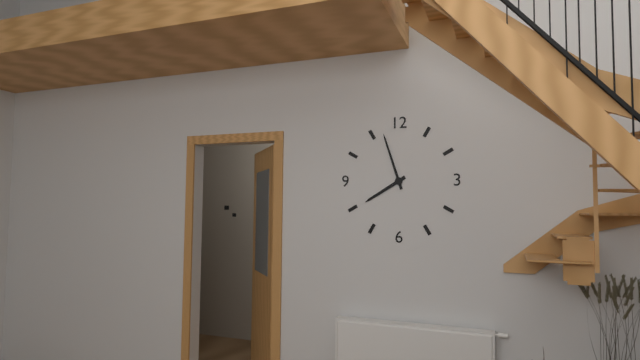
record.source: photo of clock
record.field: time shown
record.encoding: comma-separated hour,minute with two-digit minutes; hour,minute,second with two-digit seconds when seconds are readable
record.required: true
7,57
